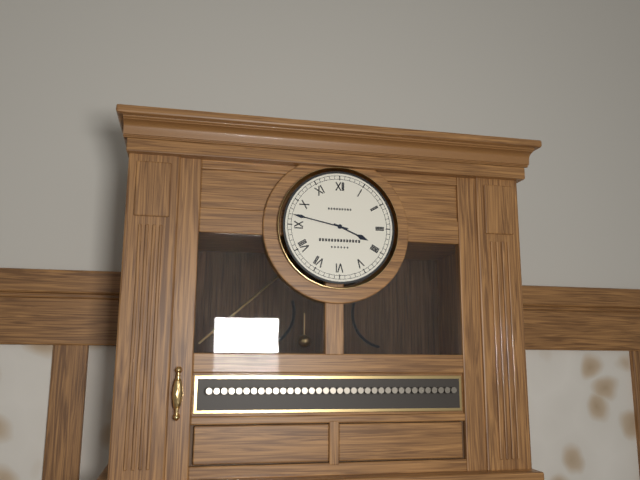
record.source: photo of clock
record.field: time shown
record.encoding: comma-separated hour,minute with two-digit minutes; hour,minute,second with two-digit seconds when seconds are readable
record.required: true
3,47
